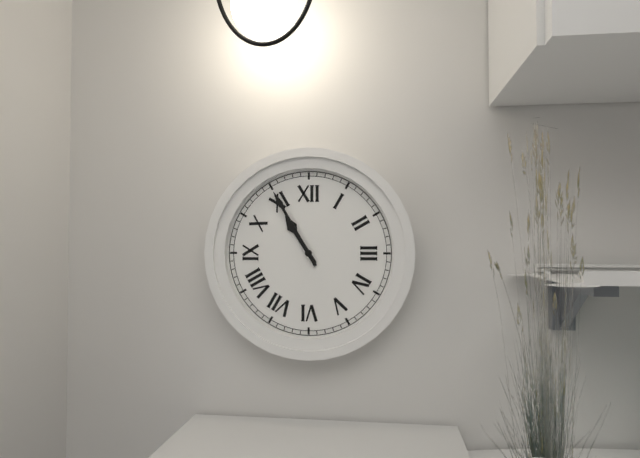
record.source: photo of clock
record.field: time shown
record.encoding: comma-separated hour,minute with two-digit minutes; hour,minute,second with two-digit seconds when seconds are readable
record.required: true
10,55
